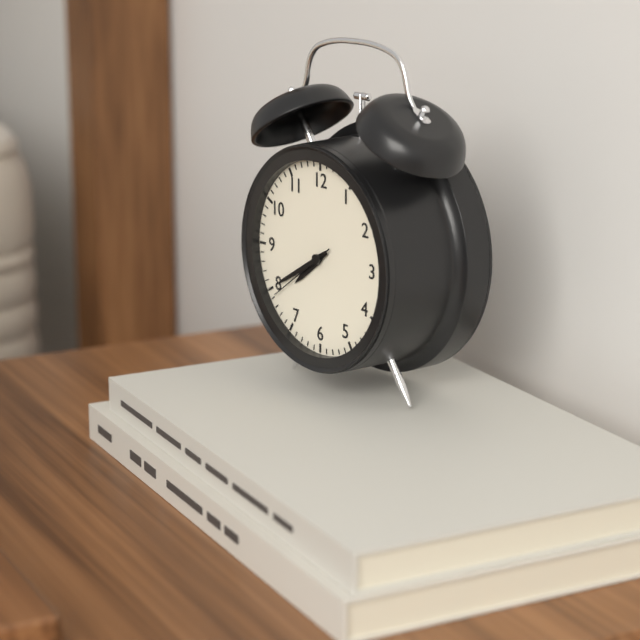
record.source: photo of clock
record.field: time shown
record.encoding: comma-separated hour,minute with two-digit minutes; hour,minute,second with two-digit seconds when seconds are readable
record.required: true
7,40,39
